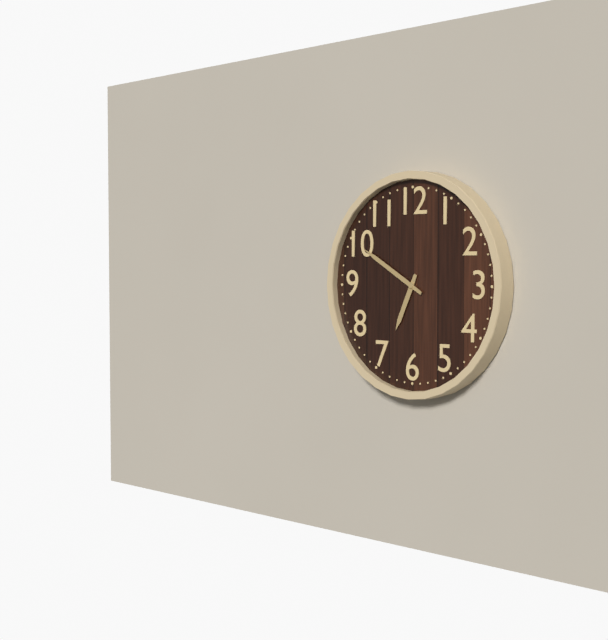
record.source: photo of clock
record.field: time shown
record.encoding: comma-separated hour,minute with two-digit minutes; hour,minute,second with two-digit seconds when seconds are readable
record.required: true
6,50
